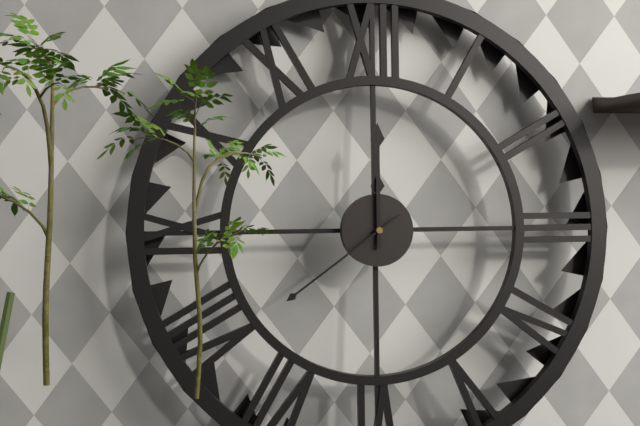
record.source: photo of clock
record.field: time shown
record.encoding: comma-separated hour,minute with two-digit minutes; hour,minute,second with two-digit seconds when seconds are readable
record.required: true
12,00,39
